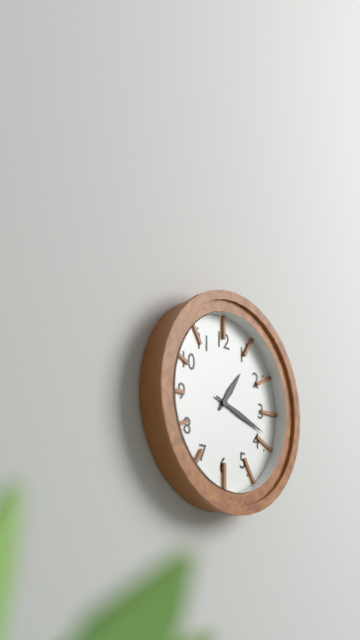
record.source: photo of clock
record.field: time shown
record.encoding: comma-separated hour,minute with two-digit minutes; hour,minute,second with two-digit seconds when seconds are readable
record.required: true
1,18
